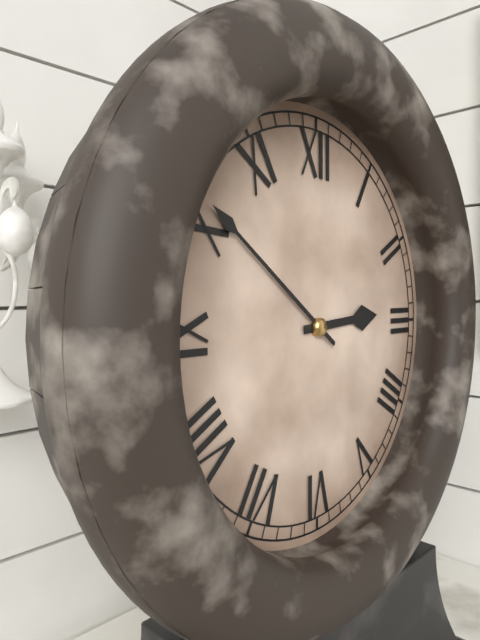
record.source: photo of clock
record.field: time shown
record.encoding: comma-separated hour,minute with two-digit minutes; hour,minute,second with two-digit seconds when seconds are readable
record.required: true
2,51
